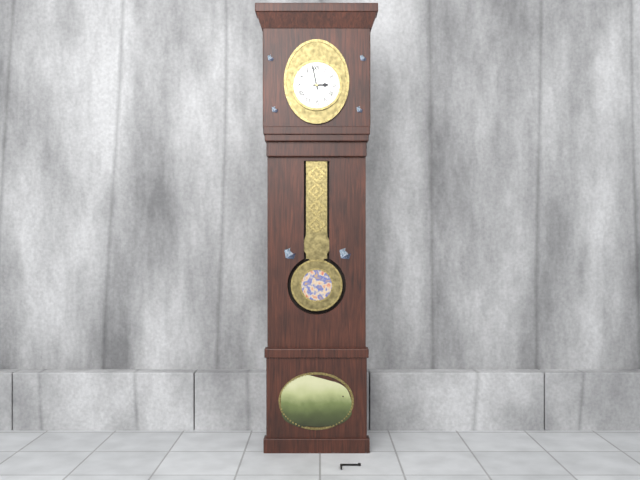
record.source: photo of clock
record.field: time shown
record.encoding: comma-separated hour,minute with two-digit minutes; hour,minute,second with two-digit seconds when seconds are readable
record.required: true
2,58
